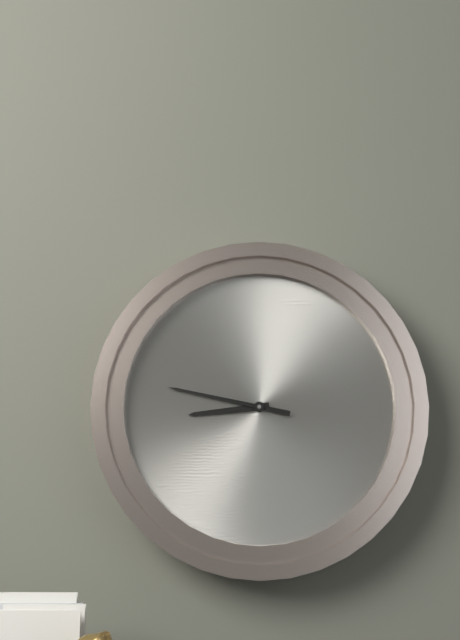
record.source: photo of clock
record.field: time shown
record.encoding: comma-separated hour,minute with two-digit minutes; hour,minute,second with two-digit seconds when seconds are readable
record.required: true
8,47
